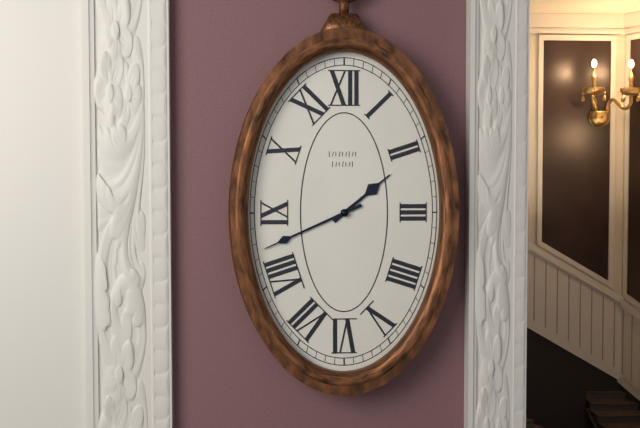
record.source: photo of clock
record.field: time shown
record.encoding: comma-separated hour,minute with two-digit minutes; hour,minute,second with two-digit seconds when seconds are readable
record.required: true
1,41
